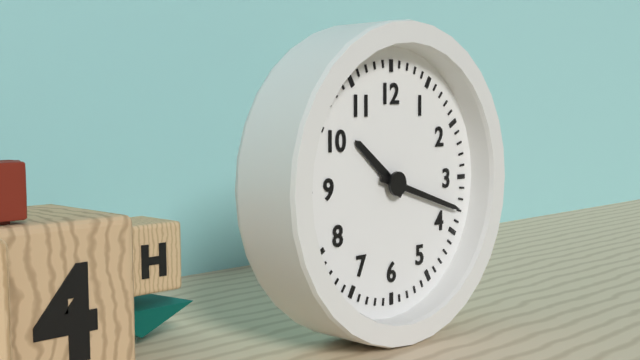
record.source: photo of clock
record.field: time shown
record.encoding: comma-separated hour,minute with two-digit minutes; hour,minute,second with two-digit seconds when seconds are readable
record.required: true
10,18
